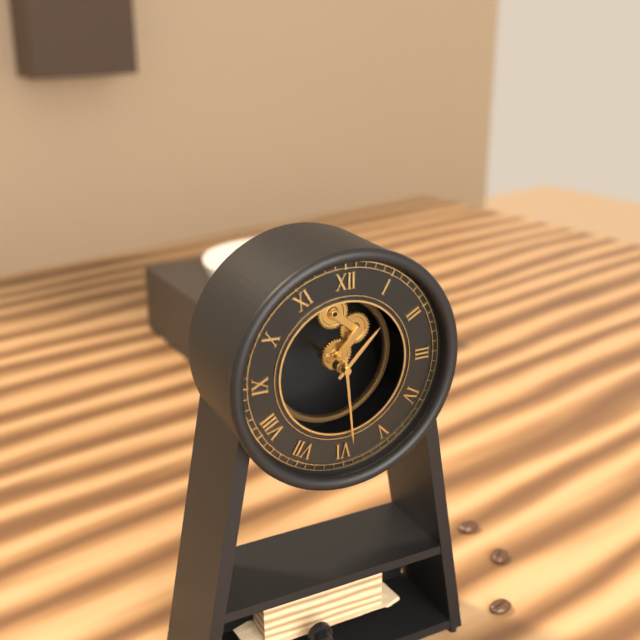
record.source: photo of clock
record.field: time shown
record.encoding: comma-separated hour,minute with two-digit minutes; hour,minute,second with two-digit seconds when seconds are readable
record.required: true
1,29
